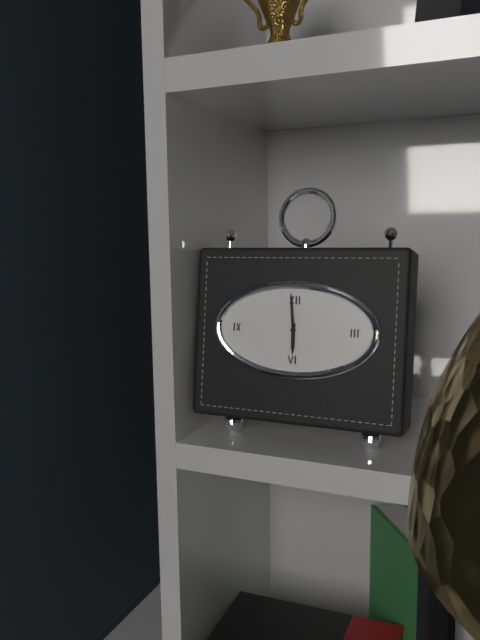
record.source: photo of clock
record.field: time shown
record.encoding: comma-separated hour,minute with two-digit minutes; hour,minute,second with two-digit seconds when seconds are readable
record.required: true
5,59
